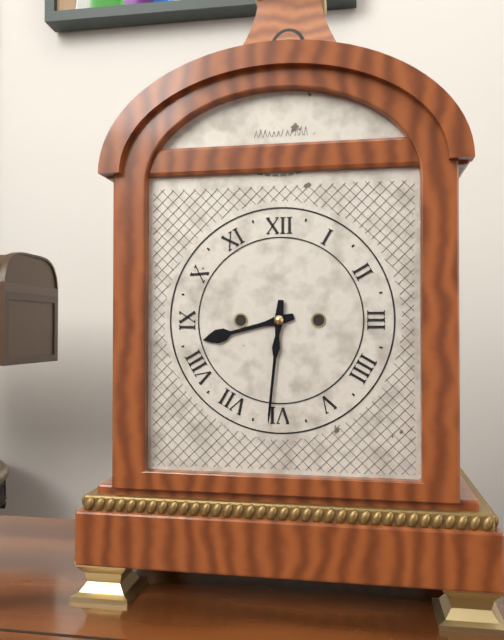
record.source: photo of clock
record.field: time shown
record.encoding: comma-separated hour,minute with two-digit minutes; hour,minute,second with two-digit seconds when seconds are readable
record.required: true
8,31
